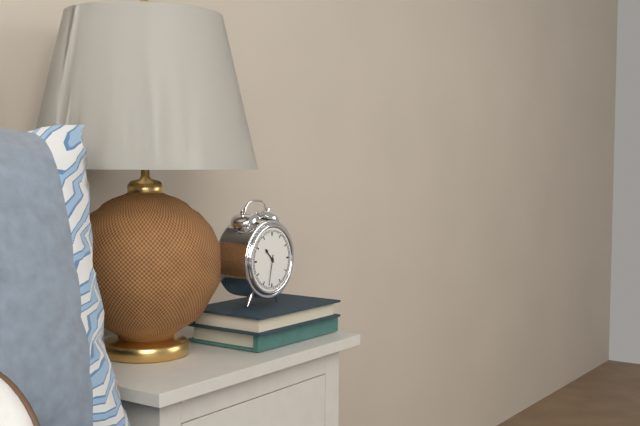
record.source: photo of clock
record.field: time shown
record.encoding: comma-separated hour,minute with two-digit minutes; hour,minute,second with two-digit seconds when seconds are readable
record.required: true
10,32
